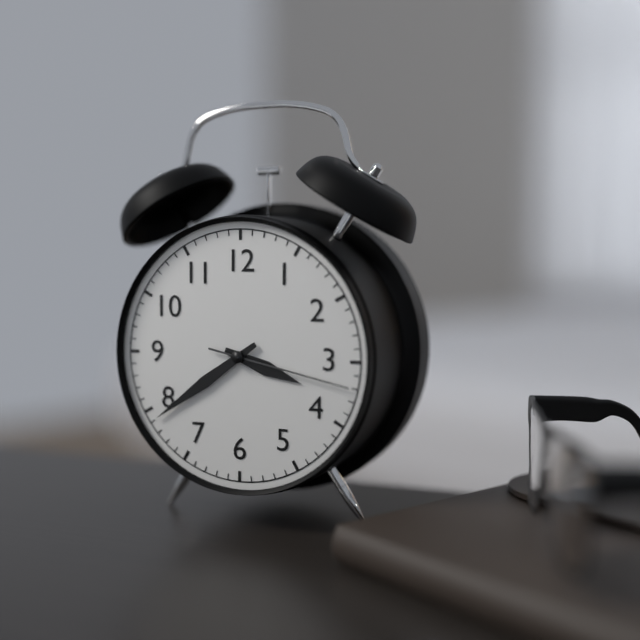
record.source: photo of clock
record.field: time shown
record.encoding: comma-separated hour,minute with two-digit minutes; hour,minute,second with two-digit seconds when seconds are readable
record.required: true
3,39,17
